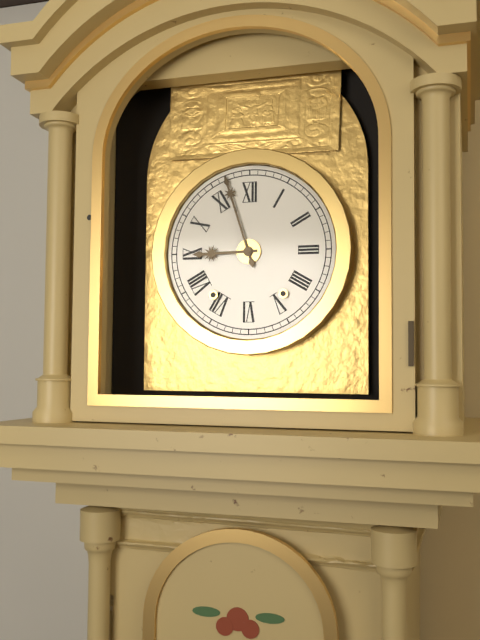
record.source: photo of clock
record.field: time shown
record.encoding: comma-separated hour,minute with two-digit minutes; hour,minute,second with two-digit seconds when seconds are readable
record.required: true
8,57
